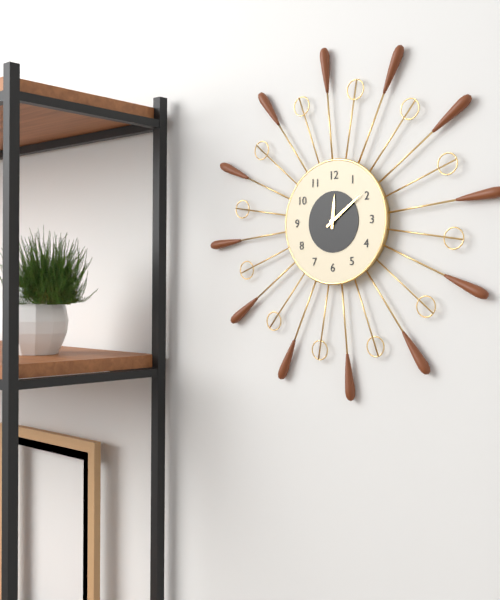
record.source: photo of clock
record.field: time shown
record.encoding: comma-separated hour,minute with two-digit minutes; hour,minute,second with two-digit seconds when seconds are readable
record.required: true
12,09
